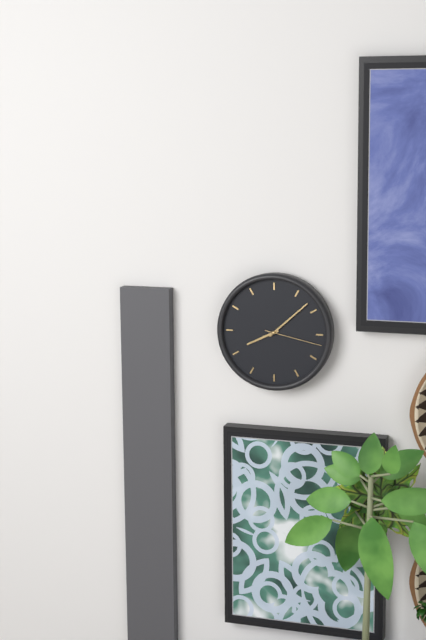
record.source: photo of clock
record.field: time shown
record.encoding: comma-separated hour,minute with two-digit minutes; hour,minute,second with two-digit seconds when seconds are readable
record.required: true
8,08,17
